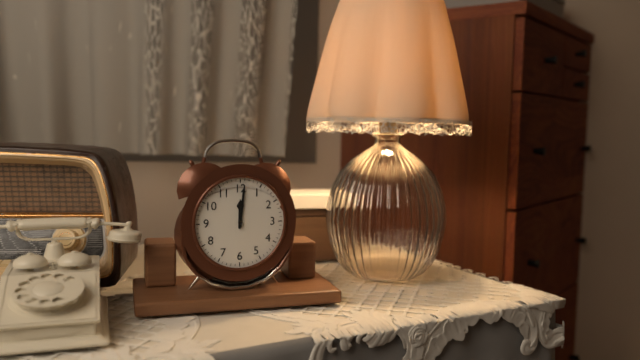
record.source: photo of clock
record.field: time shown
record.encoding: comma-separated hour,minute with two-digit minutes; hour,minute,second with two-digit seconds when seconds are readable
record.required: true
12,01
